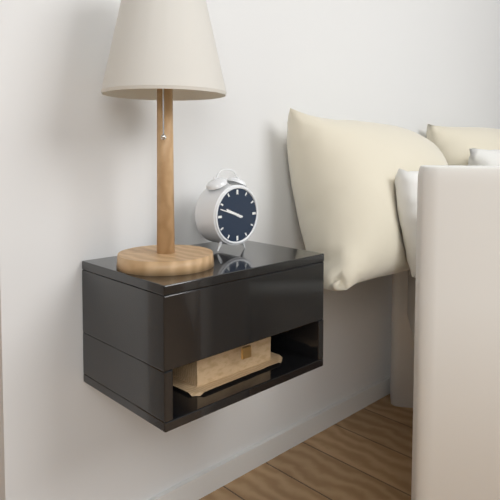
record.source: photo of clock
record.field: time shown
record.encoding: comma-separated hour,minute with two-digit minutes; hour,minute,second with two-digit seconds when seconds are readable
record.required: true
9,48
